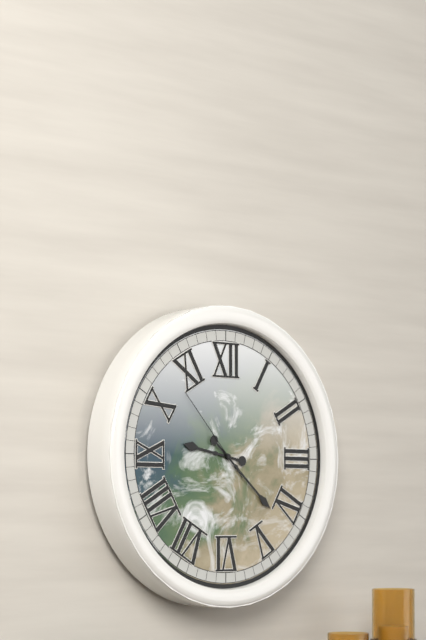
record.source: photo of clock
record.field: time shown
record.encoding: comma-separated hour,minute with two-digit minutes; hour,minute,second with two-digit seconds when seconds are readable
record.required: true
9,22,53
